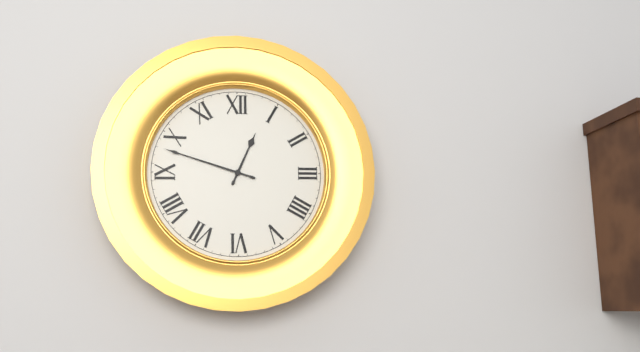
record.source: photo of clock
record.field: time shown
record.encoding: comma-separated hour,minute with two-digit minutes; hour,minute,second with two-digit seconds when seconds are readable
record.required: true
12,48
